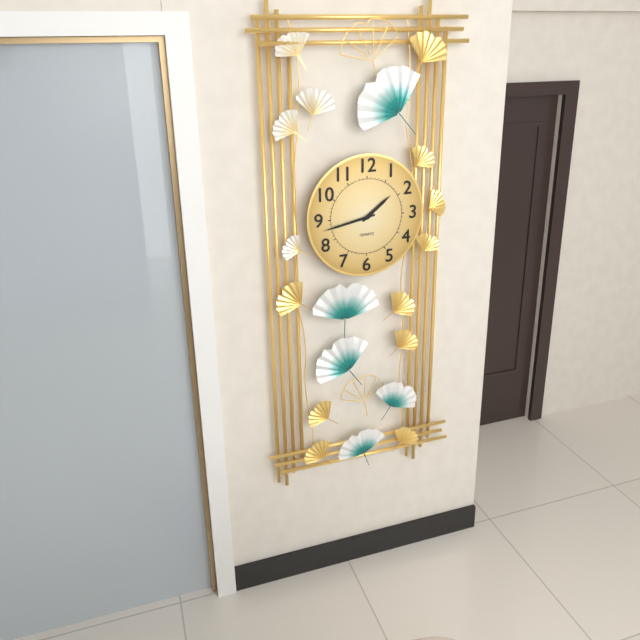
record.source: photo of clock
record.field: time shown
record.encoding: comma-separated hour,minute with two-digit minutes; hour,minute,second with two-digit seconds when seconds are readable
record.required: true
1,43
